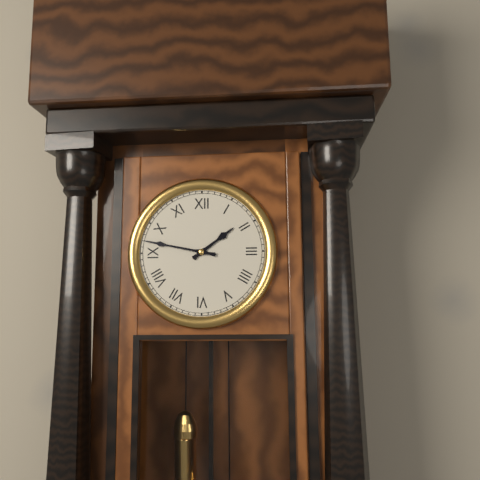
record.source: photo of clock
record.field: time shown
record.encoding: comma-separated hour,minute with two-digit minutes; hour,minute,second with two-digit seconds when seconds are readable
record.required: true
1,47
